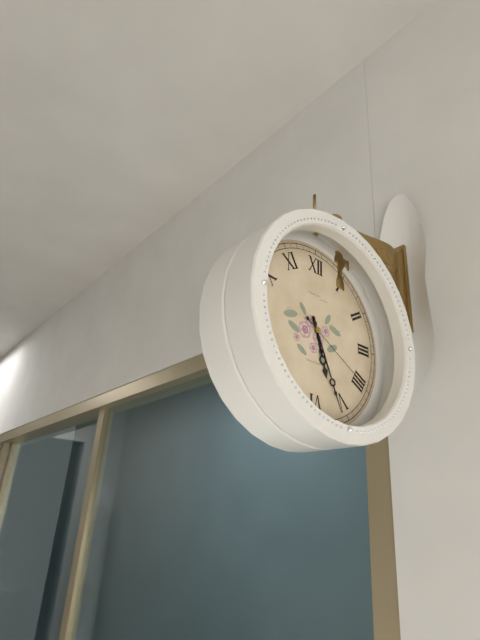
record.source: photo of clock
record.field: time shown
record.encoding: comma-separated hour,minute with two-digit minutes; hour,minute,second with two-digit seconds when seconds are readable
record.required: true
5,26,20
